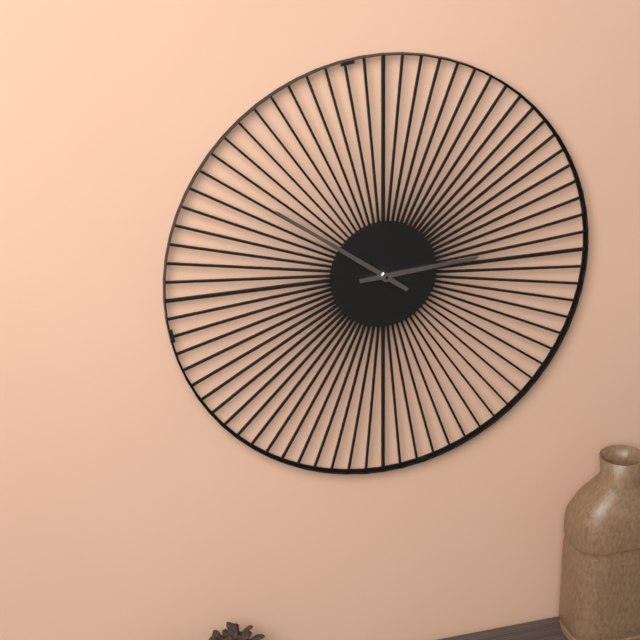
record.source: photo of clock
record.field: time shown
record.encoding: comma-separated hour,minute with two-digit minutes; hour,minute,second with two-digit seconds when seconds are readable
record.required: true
2,51
